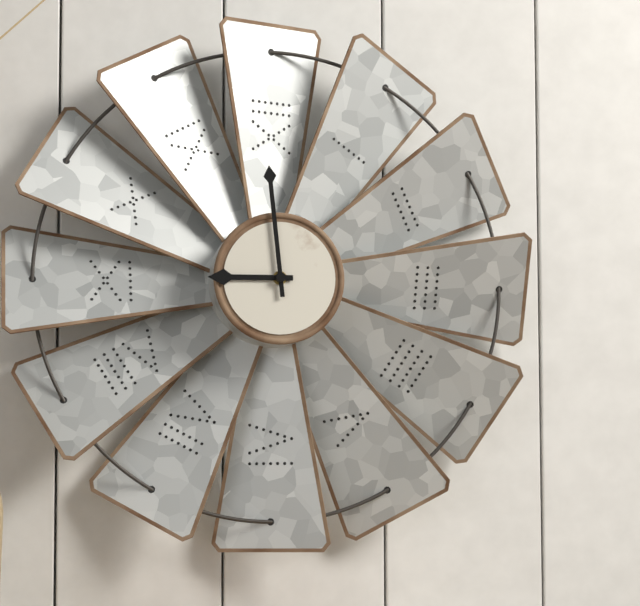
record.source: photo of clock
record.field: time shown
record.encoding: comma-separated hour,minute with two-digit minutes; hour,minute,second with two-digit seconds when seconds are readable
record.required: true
8,59
